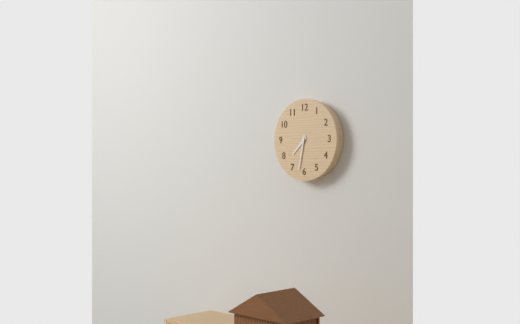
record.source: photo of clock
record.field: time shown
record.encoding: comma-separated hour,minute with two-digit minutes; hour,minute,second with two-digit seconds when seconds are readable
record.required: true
7,32
